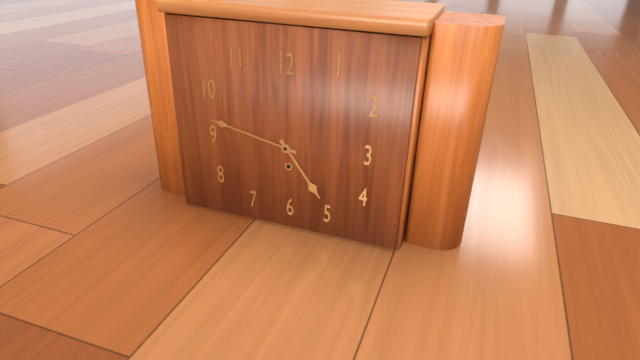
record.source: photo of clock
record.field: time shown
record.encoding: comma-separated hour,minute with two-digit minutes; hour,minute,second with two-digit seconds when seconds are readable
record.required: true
4,47
